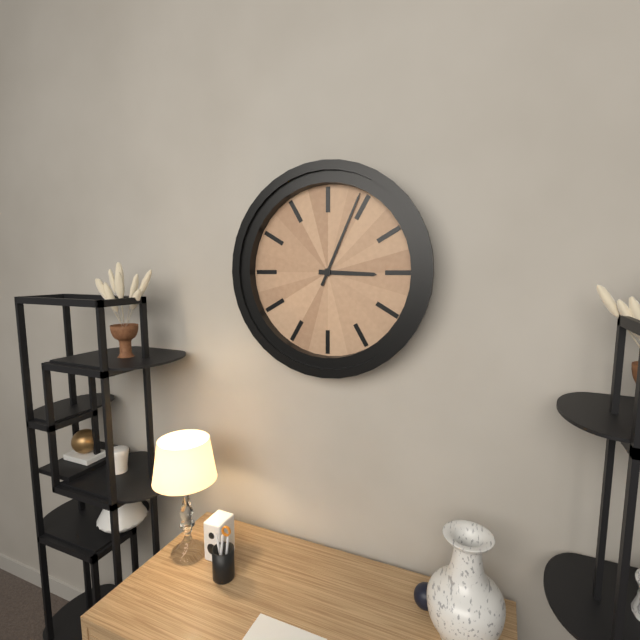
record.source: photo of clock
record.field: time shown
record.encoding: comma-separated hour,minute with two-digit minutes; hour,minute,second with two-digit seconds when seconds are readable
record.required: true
3,04
